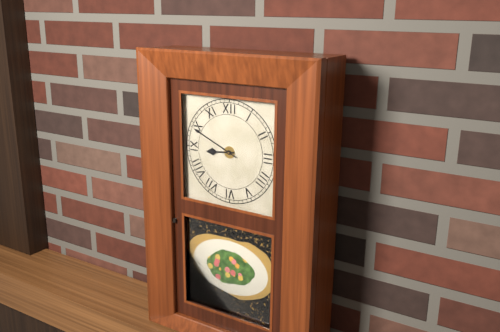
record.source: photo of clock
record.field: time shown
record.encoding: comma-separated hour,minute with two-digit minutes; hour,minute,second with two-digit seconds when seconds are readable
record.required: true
8,49
